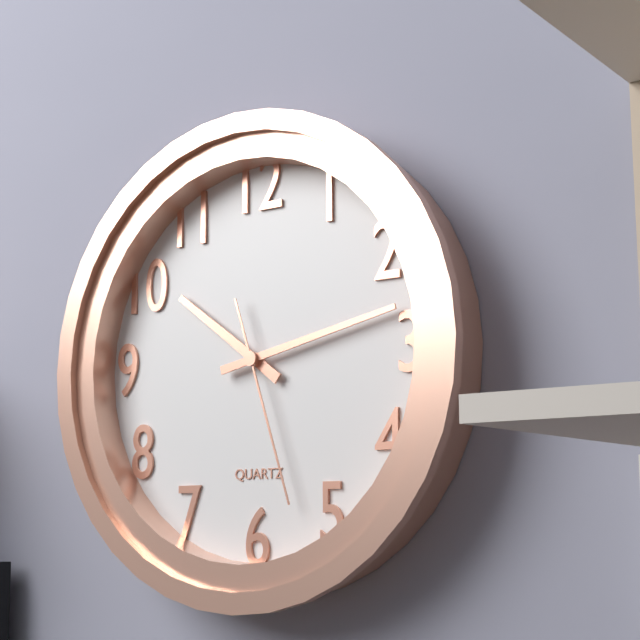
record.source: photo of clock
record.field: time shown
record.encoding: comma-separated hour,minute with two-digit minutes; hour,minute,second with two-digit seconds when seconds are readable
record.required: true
10,13,27
